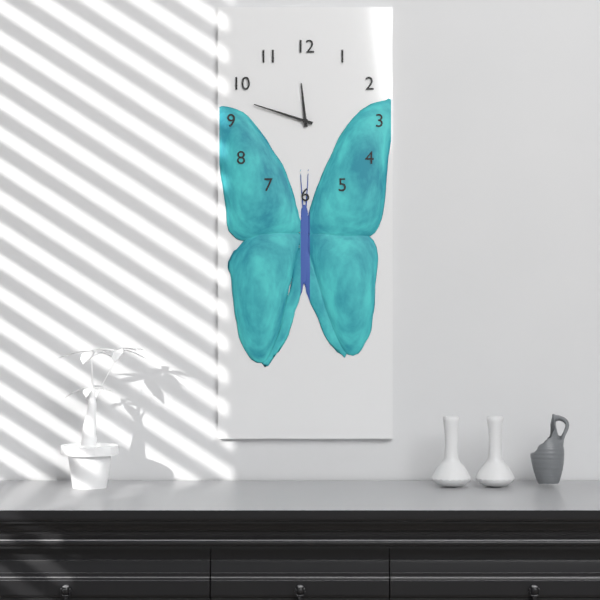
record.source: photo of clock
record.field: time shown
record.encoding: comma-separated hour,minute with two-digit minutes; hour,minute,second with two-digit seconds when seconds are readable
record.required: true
11,48
